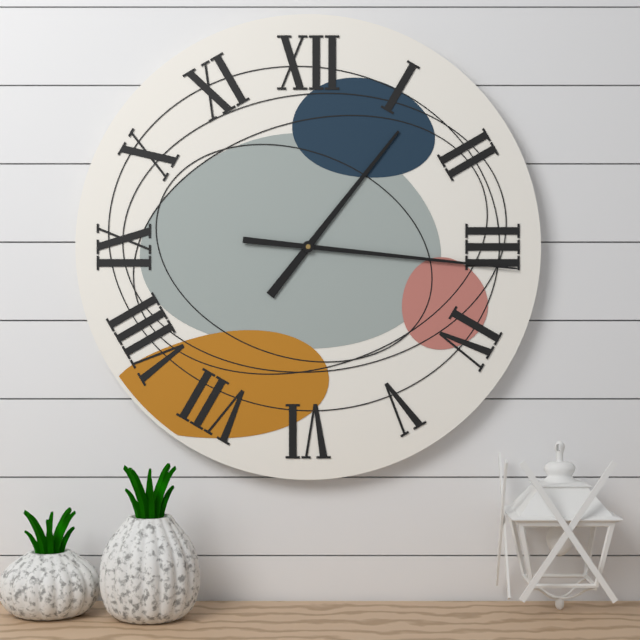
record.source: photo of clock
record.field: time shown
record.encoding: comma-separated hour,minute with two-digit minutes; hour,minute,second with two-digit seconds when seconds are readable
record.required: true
1,16
